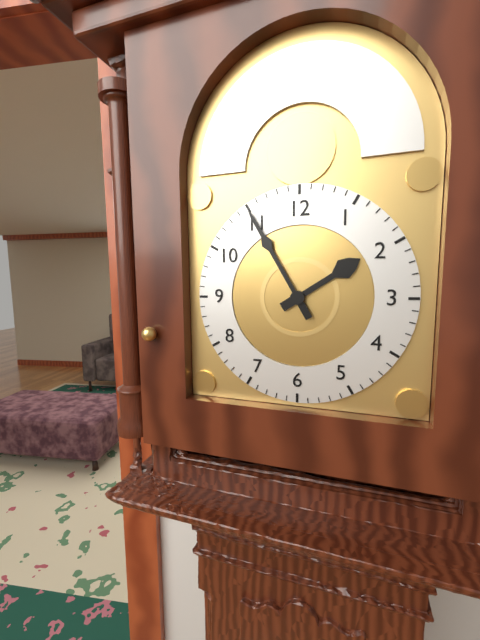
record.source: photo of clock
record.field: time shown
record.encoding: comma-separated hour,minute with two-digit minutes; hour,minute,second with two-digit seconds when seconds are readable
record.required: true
1,55
